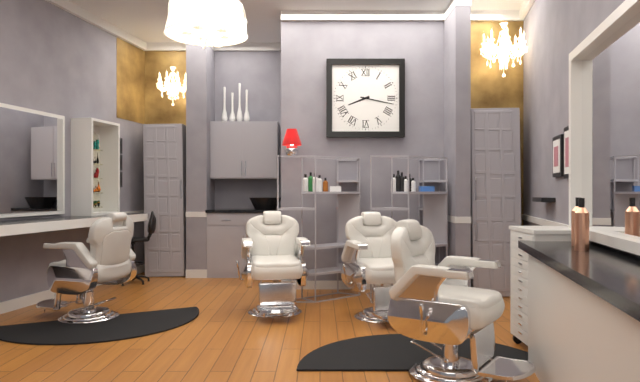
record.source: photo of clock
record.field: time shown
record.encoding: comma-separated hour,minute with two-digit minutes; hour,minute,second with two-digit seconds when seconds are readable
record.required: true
8,17
